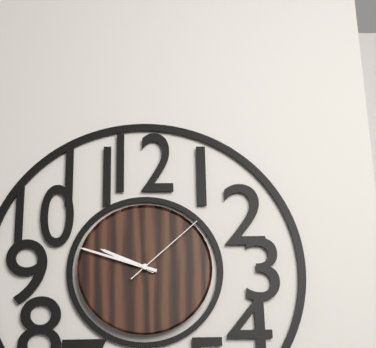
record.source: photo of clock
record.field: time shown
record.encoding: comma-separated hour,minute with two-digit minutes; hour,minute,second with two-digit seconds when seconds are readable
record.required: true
9,48,08
